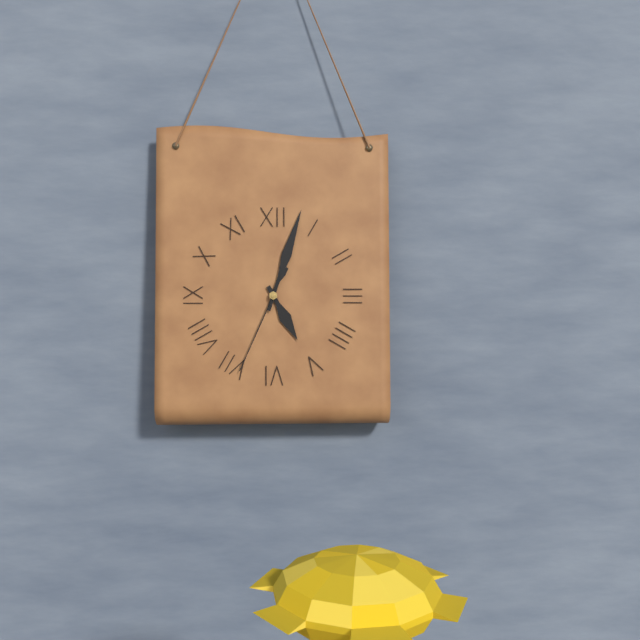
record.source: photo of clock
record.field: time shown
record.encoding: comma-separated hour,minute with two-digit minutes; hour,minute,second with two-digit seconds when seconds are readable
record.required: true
5,03,34
